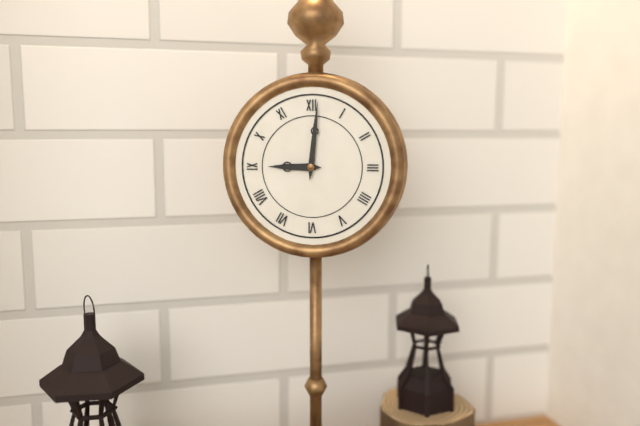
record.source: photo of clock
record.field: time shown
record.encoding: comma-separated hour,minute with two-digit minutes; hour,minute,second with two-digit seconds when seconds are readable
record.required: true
9,01
